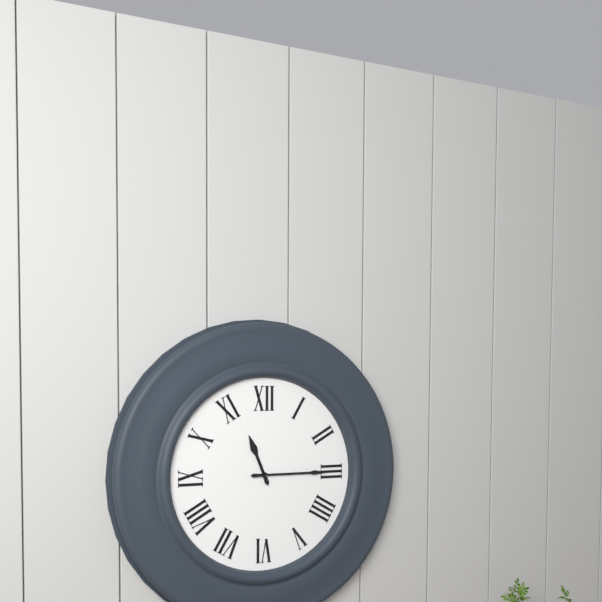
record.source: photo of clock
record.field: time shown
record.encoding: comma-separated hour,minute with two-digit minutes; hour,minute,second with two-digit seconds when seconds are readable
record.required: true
11,15
